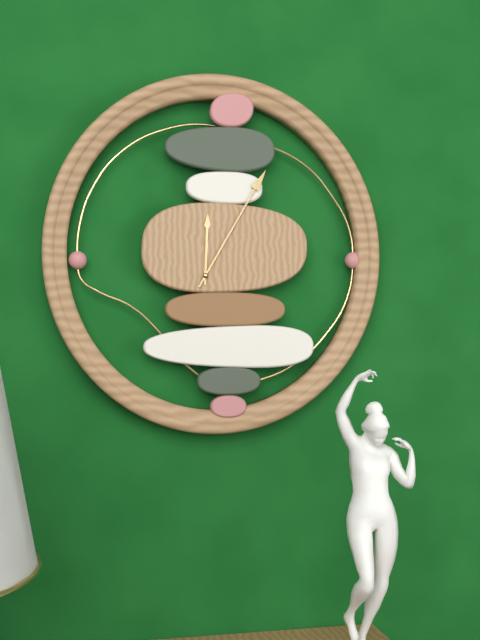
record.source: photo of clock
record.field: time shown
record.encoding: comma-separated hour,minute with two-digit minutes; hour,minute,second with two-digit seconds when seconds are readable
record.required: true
12,05
